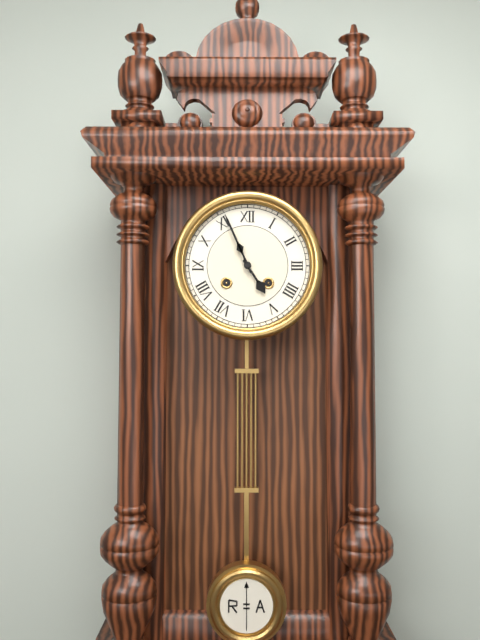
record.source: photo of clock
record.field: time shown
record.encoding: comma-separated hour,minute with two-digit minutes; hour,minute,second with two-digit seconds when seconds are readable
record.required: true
4,56
